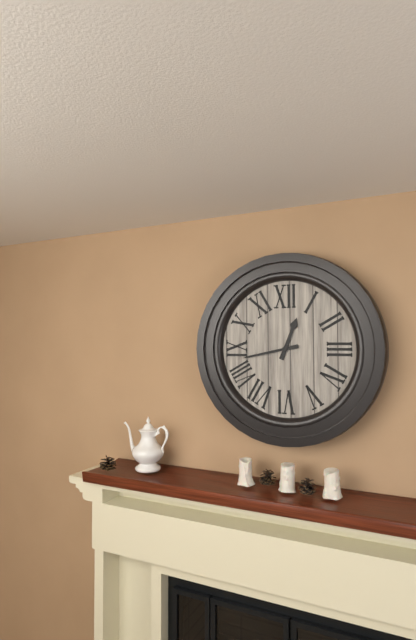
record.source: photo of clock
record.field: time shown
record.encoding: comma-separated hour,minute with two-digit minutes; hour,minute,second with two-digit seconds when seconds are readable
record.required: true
12,43
